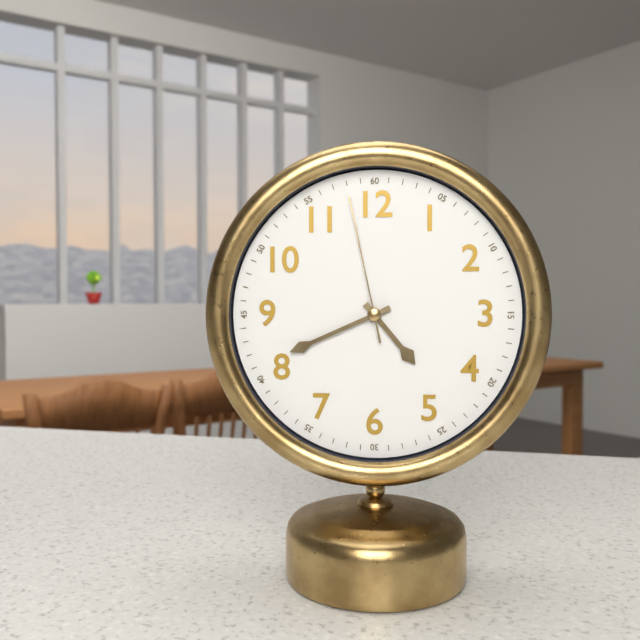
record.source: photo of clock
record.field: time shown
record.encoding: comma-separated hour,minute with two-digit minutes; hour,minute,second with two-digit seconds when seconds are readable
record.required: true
4,41,58
